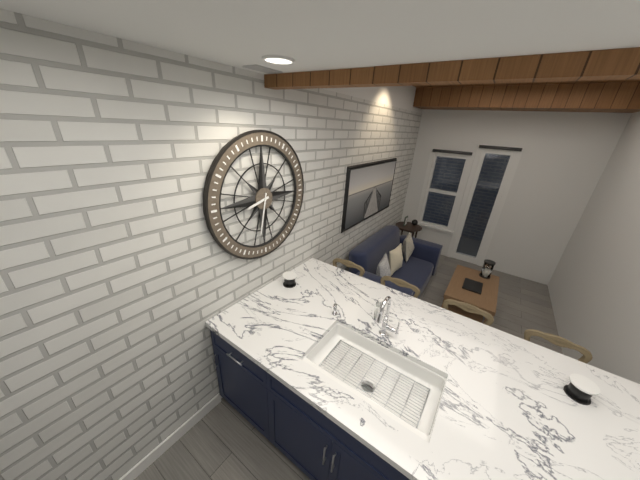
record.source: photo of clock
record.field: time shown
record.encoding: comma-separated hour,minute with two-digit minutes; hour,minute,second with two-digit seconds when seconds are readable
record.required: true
8,32
